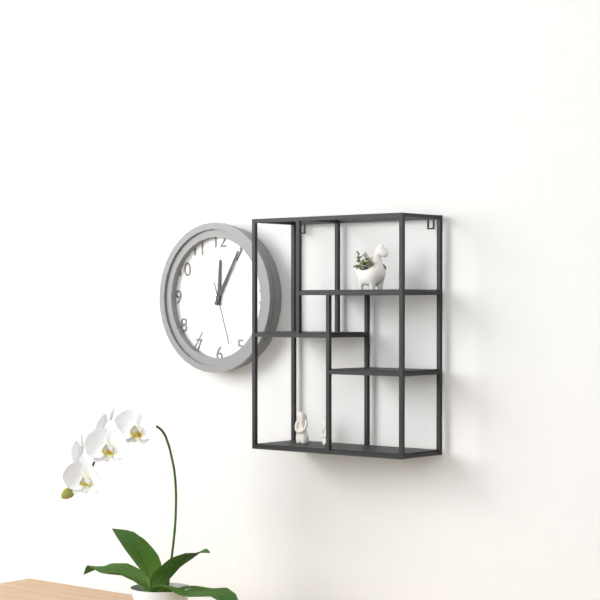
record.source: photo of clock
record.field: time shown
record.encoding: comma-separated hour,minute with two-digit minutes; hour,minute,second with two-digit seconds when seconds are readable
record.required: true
12,05,27
